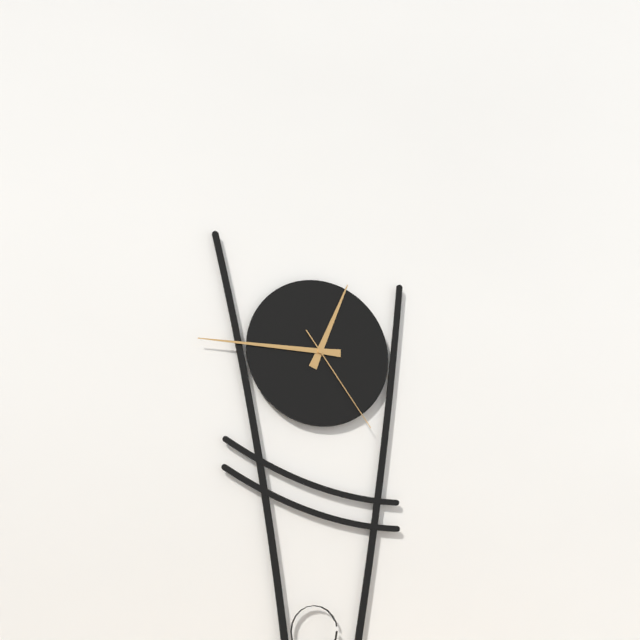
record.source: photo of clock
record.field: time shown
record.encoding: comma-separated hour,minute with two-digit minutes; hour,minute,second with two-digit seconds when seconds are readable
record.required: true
12,45,24
